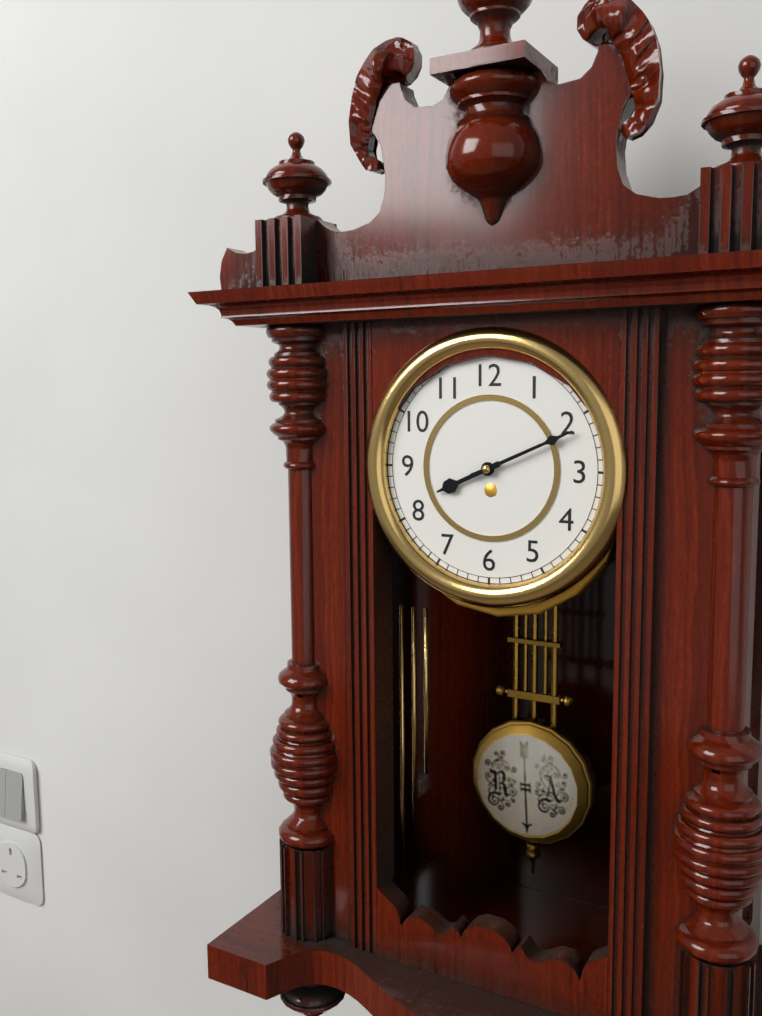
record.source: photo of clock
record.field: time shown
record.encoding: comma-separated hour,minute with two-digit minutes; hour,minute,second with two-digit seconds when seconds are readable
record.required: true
8,11
